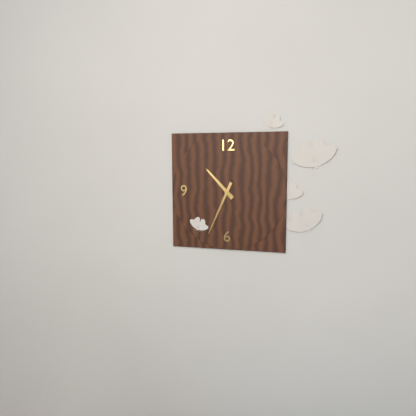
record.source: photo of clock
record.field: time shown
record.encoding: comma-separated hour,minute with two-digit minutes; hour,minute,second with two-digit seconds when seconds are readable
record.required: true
10,34
